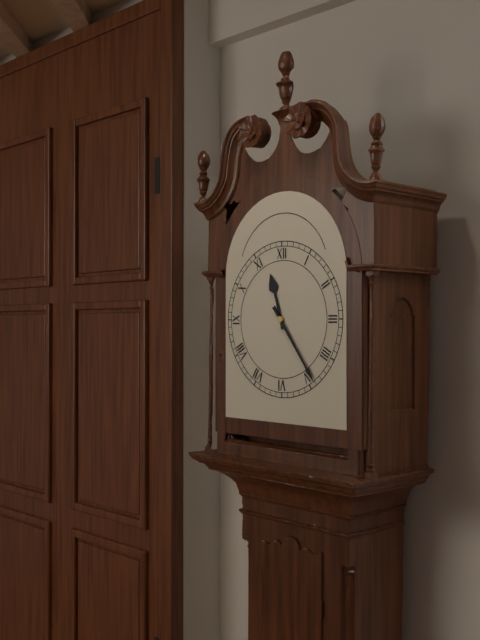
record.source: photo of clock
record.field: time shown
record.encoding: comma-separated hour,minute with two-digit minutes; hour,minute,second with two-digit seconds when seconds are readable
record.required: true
11,24
